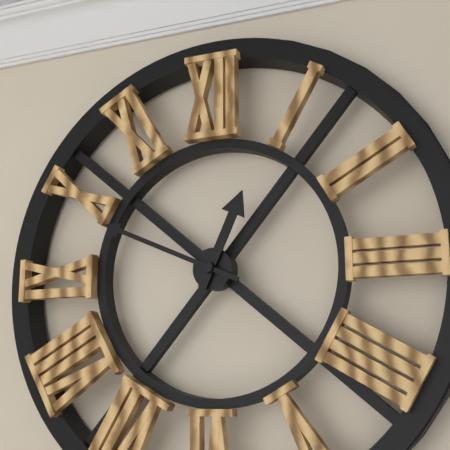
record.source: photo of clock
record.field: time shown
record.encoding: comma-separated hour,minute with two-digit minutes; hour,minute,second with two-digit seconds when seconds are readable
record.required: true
12,49
